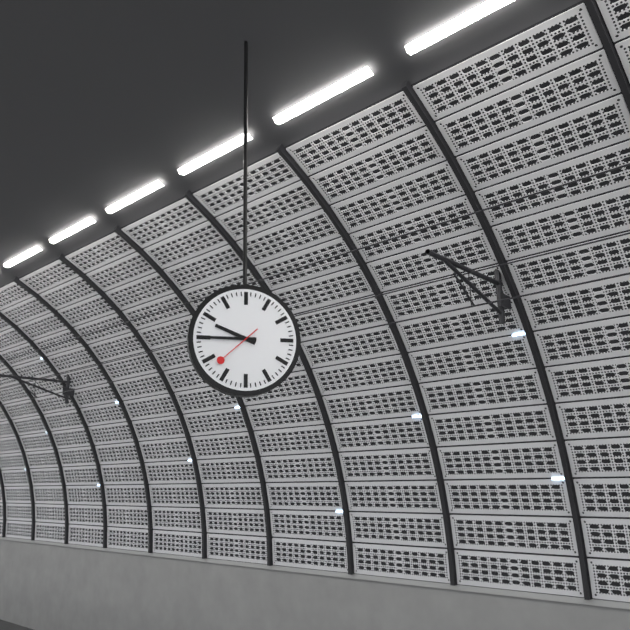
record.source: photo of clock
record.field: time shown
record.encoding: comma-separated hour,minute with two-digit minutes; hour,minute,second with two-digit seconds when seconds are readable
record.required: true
9,45
